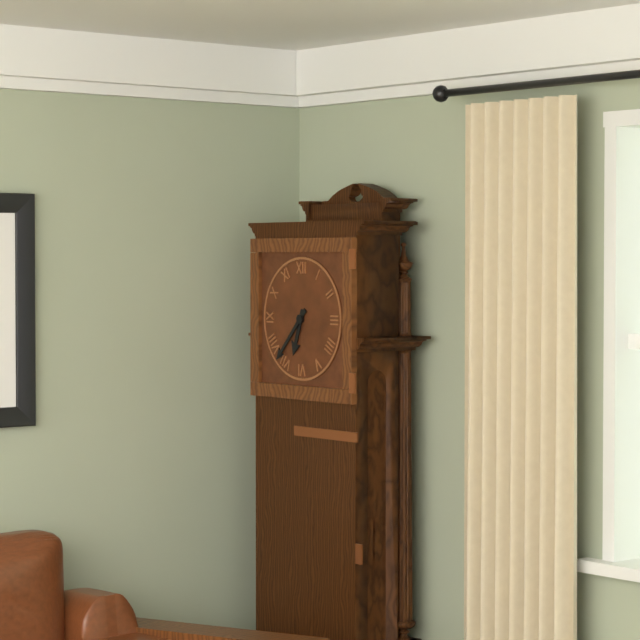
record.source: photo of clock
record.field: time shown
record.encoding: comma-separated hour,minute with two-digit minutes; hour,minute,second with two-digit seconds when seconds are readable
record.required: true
6,37
